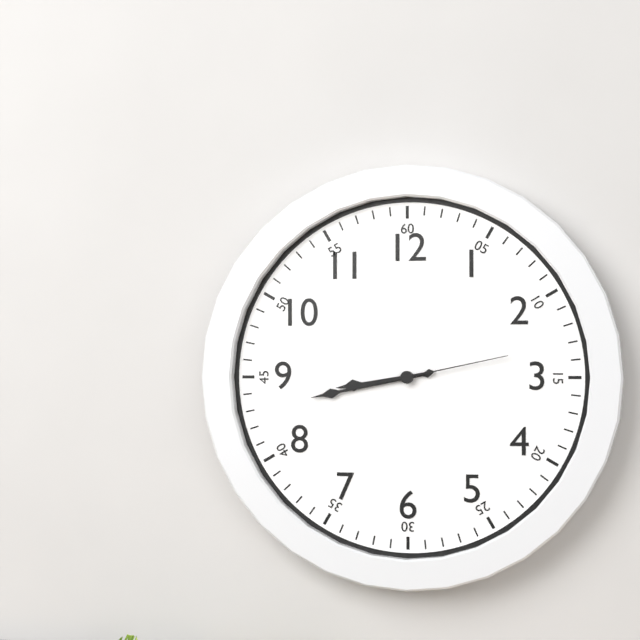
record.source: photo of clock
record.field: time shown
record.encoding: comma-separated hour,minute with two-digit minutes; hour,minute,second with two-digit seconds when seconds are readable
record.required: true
8,43,13
